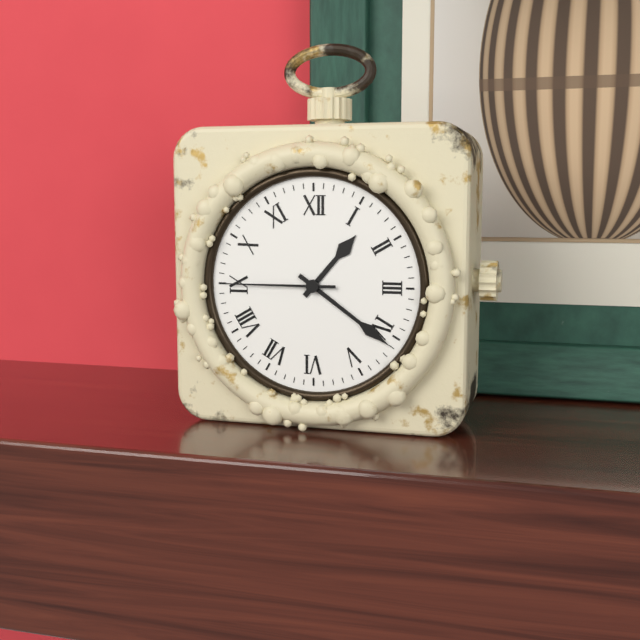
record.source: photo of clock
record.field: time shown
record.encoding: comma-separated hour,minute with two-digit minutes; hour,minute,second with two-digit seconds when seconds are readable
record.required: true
1,21,45
